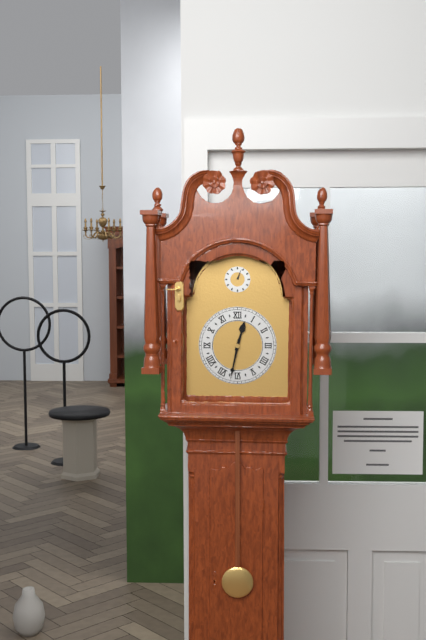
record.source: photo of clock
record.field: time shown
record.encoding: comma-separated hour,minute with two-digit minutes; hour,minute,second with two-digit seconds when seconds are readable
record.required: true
12,32
